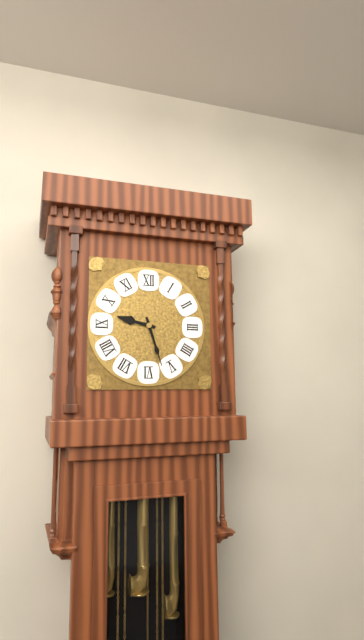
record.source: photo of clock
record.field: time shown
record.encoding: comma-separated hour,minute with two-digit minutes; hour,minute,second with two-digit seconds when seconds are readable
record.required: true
9,27
